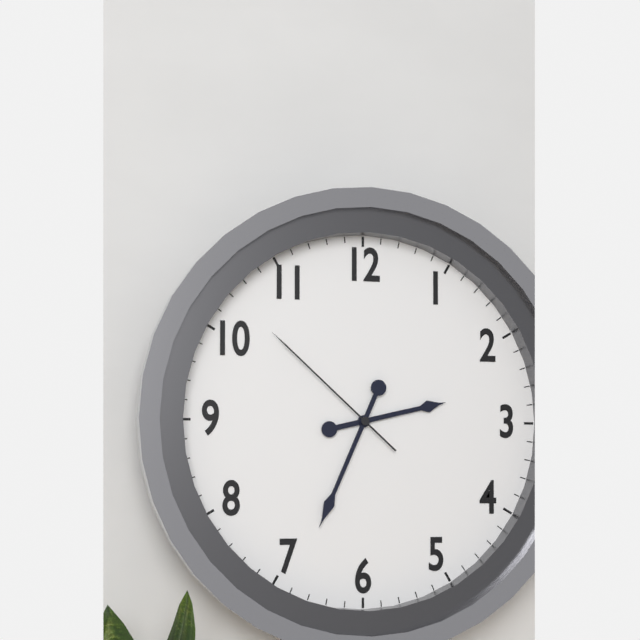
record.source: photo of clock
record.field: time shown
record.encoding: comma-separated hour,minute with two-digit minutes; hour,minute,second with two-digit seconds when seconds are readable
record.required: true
2,34,52
